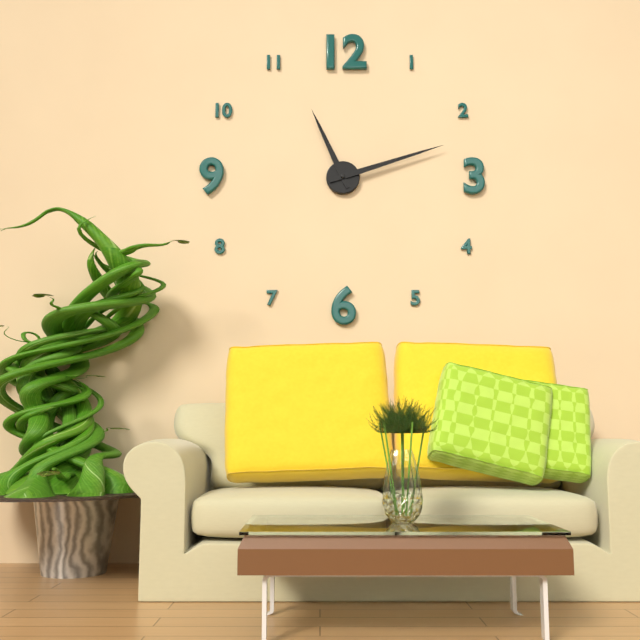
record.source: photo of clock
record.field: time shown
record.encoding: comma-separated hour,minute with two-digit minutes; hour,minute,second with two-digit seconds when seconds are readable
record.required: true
11,12
